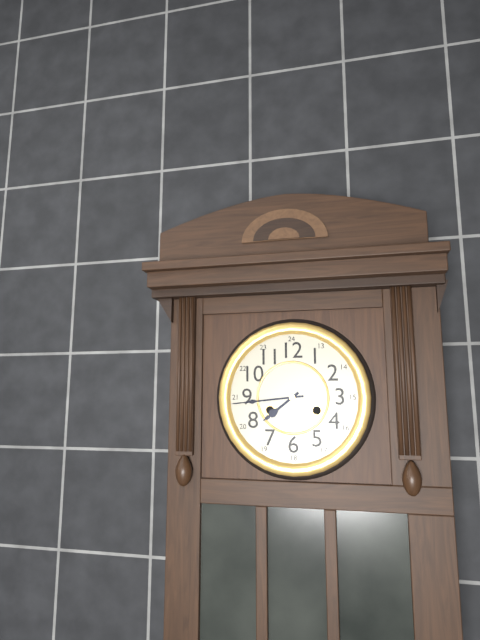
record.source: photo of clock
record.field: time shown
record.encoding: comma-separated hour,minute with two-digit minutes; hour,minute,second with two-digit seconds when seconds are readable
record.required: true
7,44
